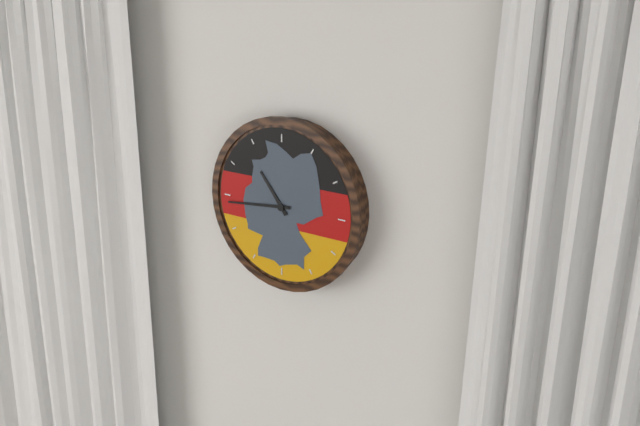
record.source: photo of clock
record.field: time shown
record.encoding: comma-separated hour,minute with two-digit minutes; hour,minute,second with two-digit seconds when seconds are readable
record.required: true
10,44
